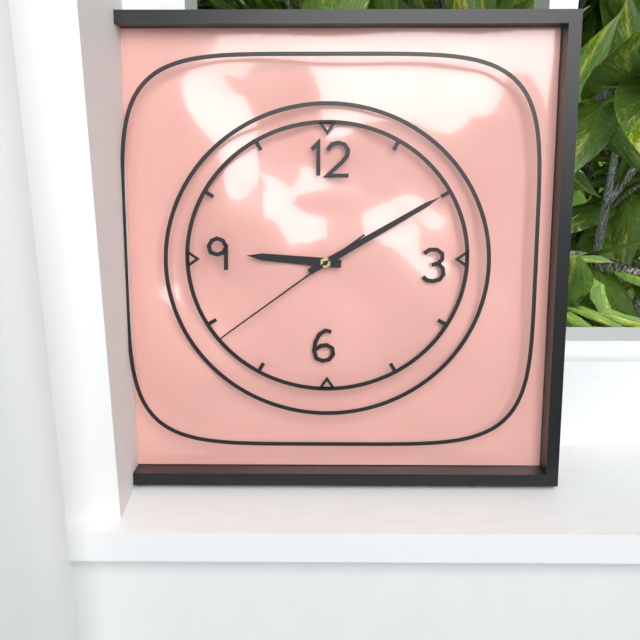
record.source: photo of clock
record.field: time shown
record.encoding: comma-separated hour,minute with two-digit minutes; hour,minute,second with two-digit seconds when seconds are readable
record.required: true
9,10,39
